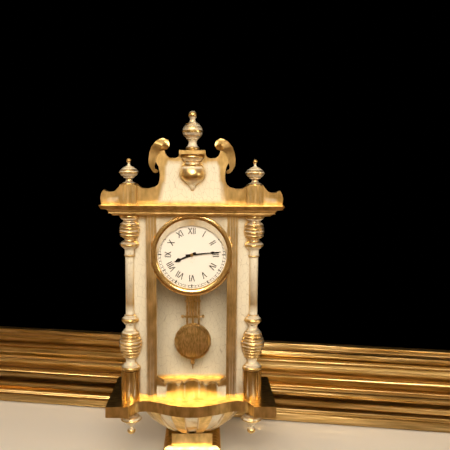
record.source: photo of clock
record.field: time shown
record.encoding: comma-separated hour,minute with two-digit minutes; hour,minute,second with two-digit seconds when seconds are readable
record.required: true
8,14
